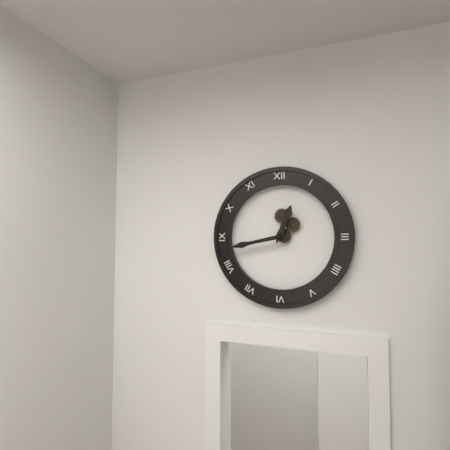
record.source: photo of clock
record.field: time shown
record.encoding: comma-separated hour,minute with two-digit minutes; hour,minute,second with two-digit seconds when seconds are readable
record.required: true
12,43
